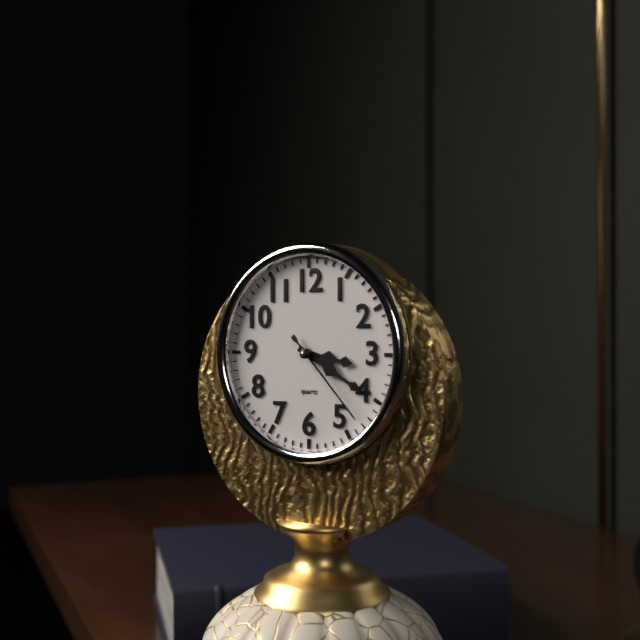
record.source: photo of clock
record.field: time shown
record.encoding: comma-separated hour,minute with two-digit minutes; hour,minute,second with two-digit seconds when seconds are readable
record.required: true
3,20,23
